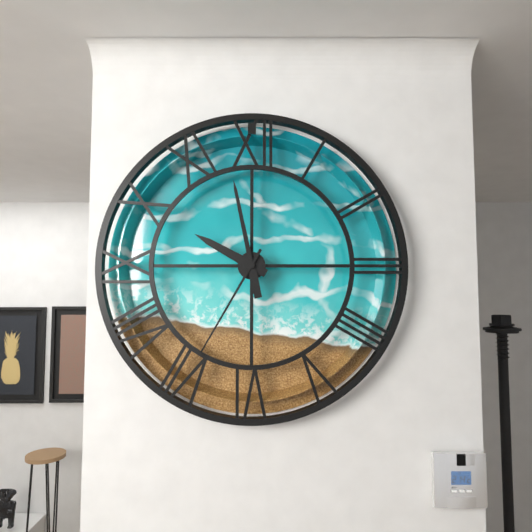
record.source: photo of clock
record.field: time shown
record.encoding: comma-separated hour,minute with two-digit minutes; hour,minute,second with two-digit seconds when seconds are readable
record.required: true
9,58,35
